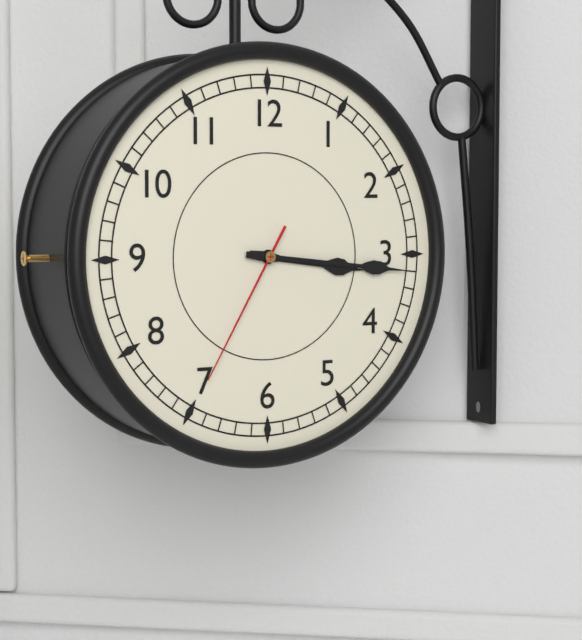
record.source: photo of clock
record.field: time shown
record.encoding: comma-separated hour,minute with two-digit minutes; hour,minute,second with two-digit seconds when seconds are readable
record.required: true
3,16,35
